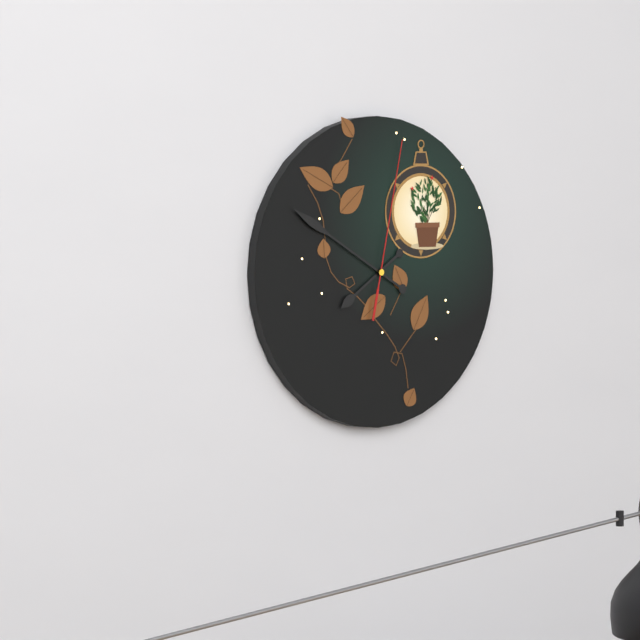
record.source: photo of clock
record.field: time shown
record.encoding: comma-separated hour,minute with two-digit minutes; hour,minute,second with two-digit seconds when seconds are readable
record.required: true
7,50,02
